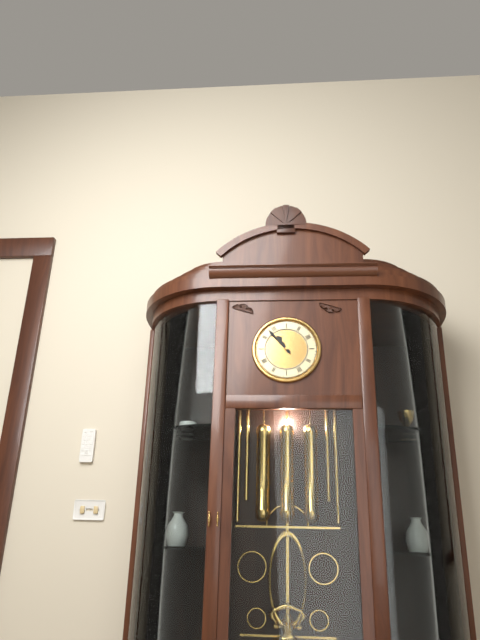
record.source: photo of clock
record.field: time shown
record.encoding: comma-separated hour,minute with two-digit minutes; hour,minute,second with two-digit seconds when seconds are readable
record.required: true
10,53
